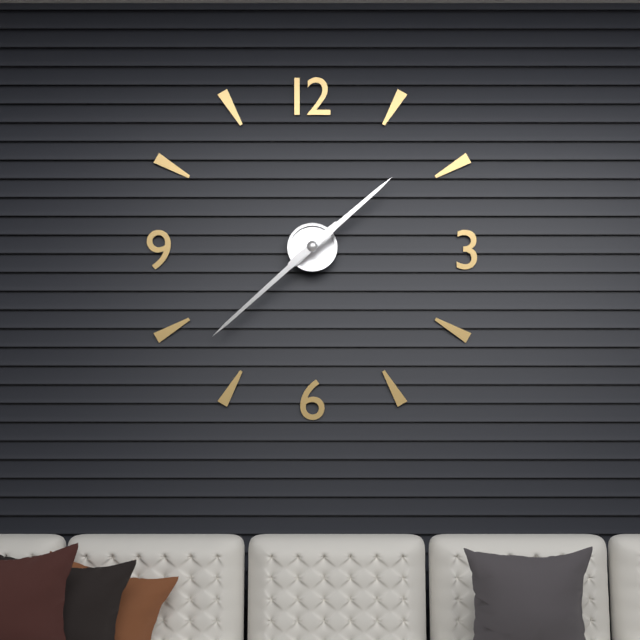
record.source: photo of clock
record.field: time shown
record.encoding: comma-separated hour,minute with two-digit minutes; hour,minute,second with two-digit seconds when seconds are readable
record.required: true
1,38
